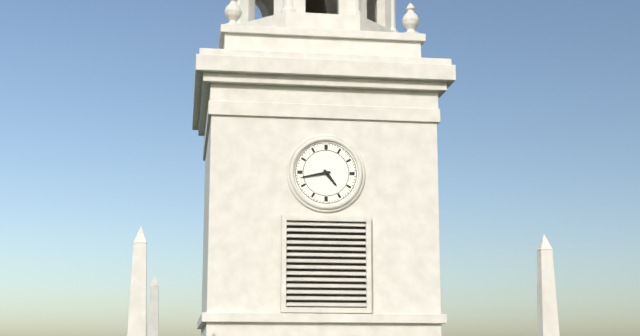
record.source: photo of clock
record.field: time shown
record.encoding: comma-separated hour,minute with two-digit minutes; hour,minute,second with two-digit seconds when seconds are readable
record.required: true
4,43
